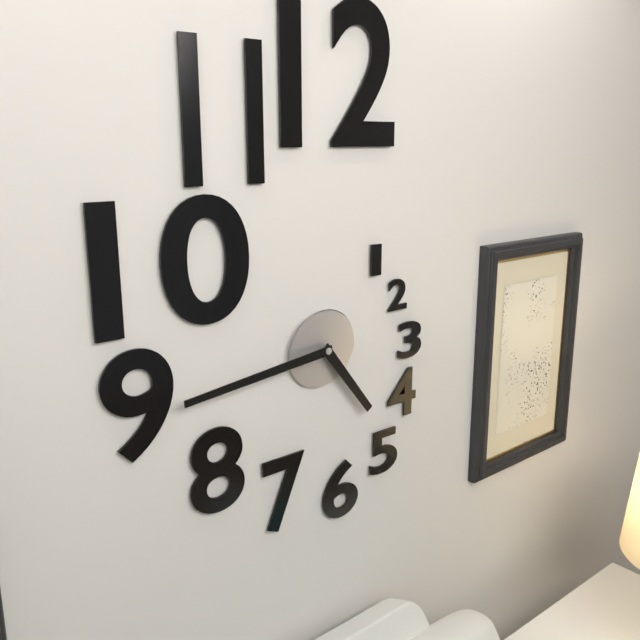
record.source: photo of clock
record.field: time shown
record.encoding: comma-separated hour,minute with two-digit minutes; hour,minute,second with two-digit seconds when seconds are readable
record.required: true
4,44
